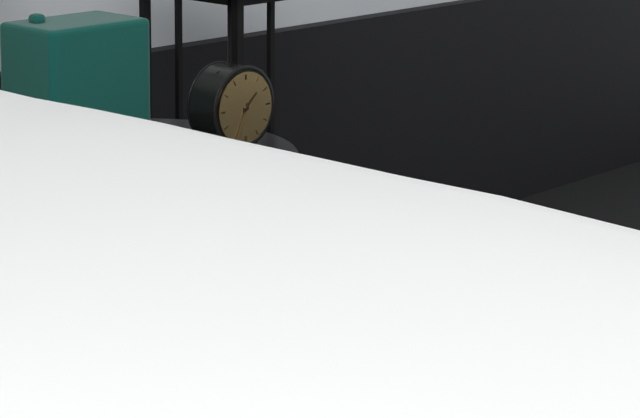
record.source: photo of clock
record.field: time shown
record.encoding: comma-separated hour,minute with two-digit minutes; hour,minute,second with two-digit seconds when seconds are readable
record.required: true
1,34
